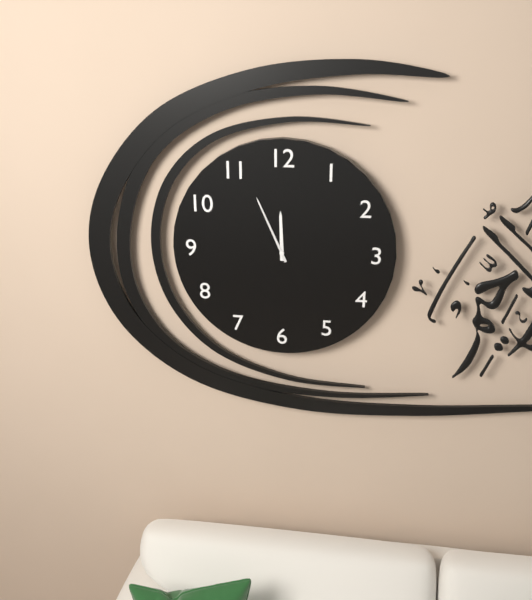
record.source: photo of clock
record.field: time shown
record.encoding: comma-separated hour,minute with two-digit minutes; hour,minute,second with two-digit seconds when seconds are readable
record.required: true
11,56
